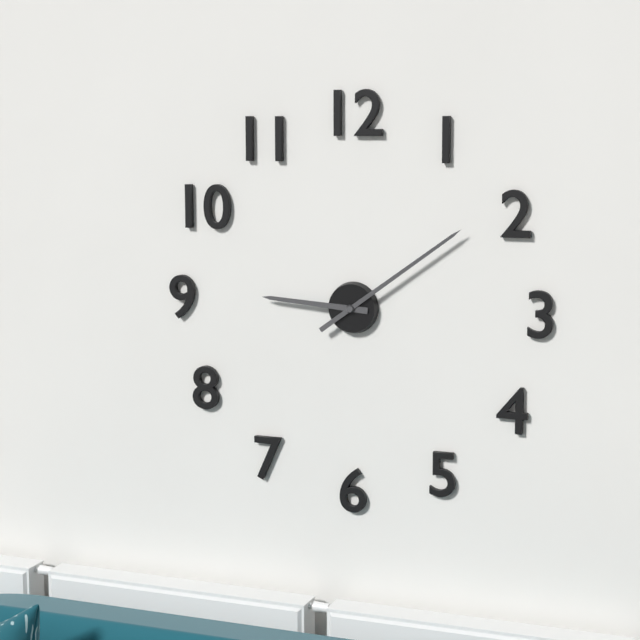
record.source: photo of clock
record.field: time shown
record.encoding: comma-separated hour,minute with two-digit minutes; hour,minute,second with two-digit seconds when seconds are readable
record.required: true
9,09
